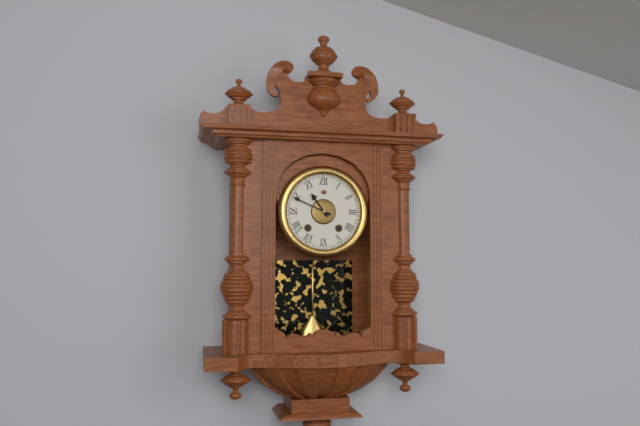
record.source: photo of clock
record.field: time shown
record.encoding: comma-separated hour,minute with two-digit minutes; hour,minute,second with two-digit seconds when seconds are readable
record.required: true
10,49
